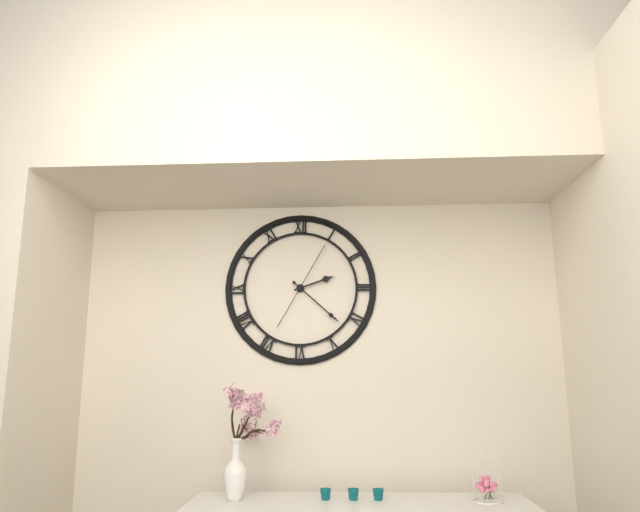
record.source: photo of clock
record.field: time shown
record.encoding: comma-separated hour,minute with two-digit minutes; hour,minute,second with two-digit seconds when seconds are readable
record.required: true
2,22,05
